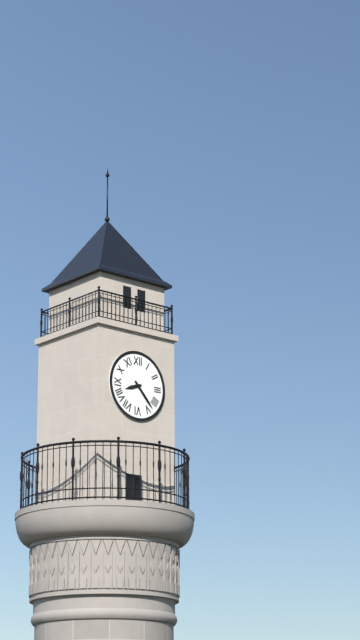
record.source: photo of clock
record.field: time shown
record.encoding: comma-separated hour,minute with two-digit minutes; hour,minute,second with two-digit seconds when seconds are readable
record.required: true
8,23
